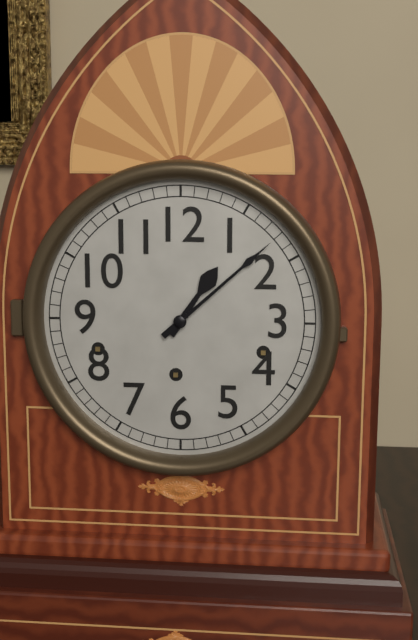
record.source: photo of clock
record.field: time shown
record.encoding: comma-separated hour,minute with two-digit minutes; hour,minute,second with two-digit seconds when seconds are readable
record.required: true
1,08
